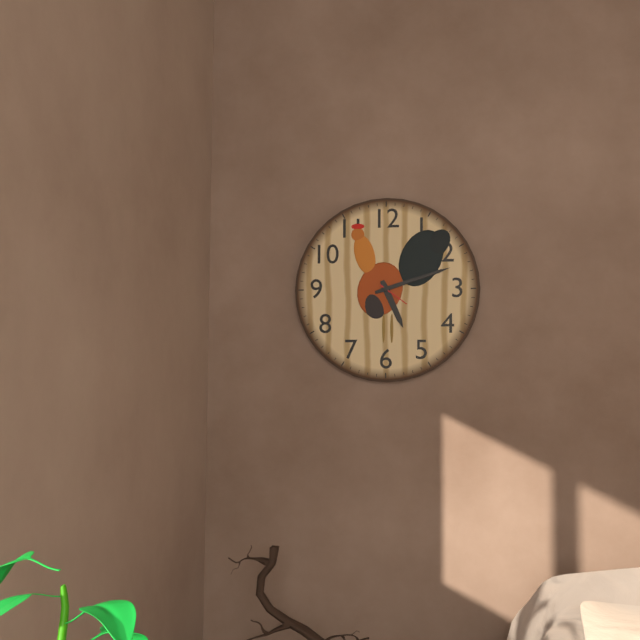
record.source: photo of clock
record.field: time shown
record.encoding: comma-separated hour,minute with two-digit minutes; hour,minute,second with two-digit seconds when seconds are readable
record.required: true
5,12
